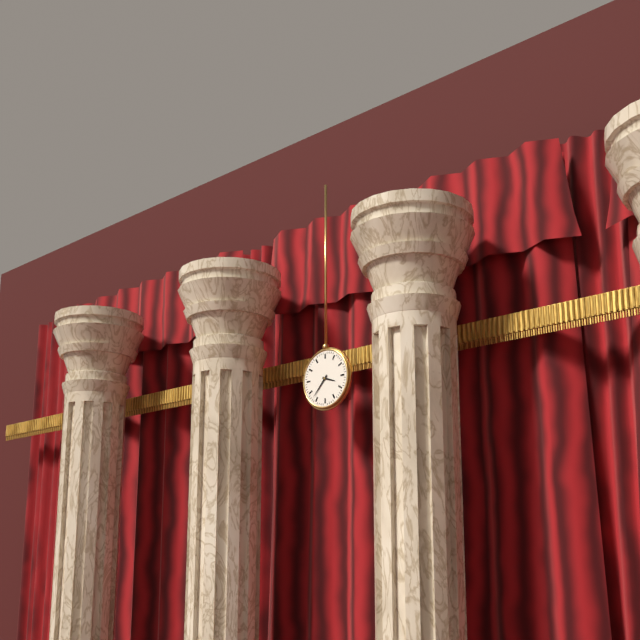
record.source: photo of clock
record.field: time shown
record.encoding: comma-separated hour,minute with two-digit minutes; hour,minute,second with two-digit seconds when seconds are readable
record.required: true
3,37
